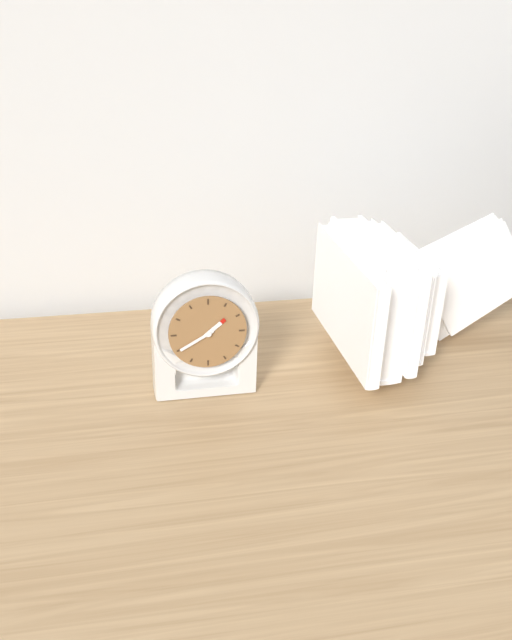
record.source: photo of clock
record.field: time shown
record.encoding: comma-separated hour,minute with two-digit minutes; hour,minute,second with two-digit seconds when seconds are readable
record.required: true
1,40
